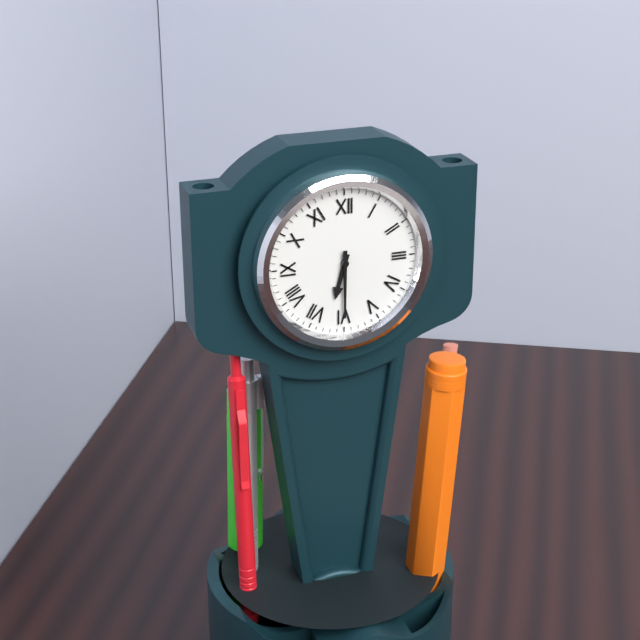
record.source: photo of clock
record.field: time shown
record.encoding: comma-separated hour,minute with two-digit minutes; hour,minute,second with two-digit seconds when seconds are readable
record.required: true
6,30
